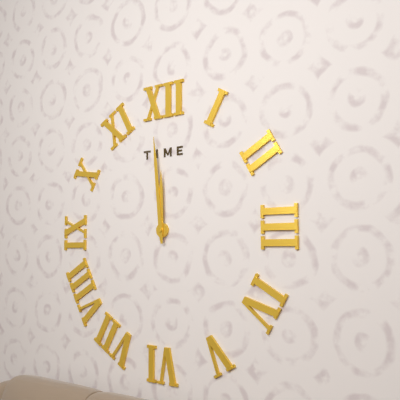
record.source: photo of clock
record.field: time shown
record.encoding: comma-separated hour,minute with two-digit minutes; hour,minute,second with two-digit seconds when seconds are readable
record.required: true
11,59
